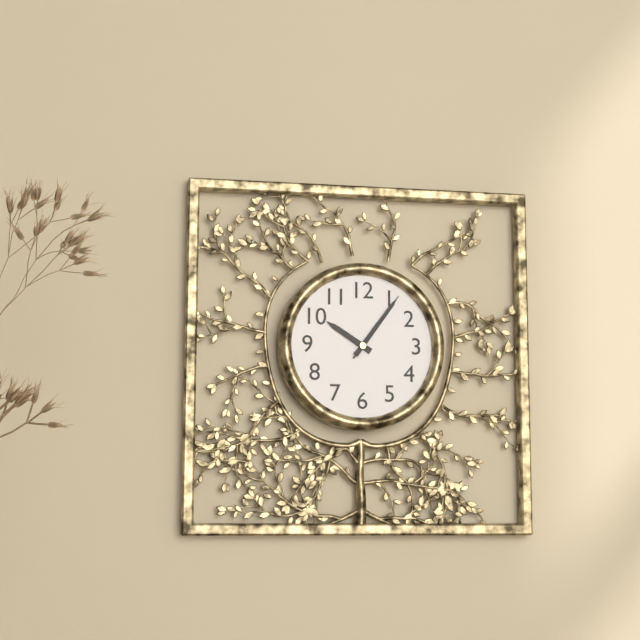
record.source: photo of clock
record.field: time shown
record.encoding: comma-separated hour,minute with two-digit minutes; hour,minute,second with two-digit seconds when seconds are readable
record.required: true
10,06,06
